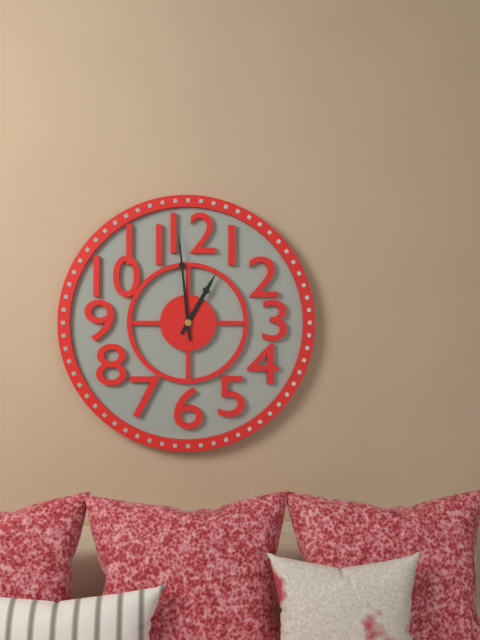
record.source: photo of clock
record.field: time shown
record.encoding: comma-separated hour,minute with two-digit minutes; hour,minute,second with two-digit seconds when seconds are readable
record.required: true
12,59
